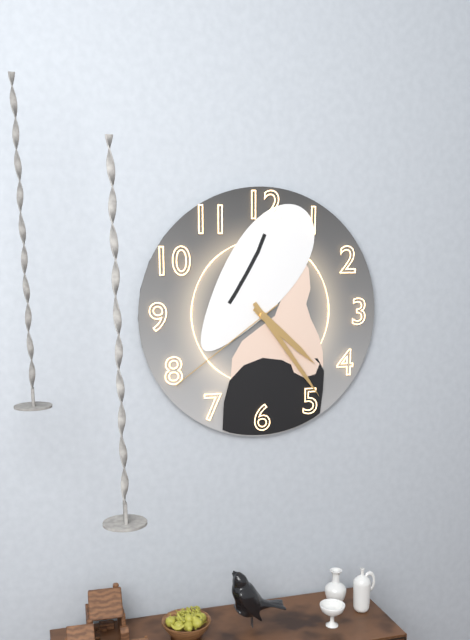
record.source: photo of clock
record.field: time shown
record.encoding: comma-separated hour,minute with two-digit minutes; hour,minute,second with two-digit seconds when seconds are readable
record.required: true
4,24,39
